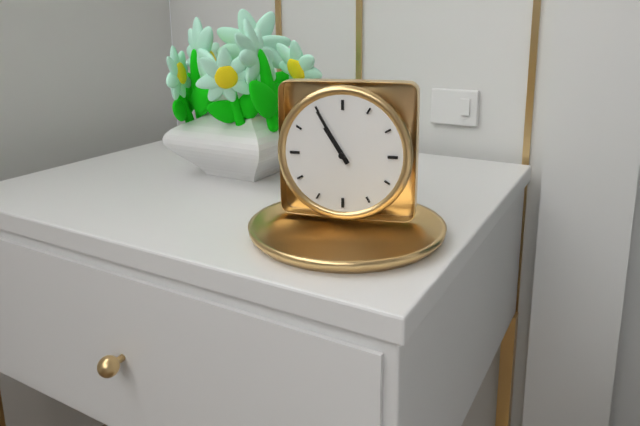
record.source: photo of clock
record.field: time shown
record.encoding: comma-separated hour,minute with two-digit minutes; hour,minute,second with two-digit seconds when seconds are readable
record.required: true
10,55
